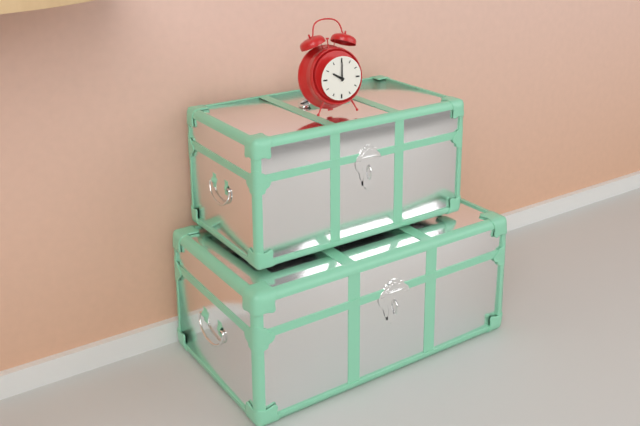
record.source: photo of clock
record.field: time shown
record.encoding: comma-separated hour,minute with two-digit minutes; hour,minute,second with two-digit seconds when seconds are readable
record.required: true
10,00
